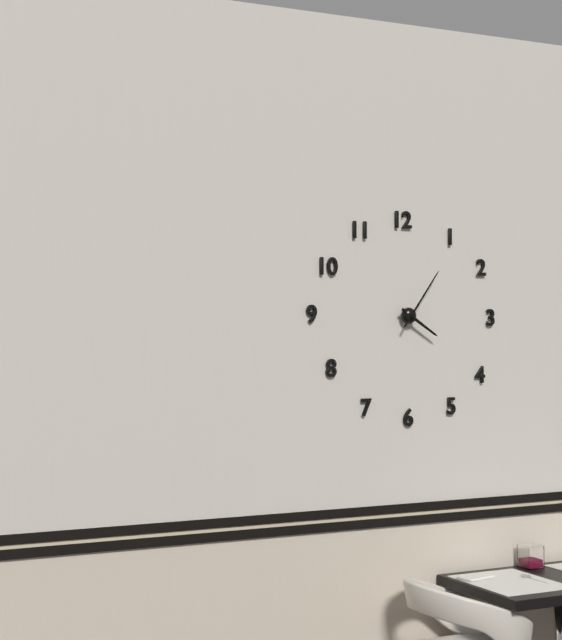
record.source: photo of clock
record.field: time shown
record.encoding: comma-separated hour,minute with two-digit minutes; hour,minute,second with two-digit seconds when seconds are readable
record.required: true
4,06
